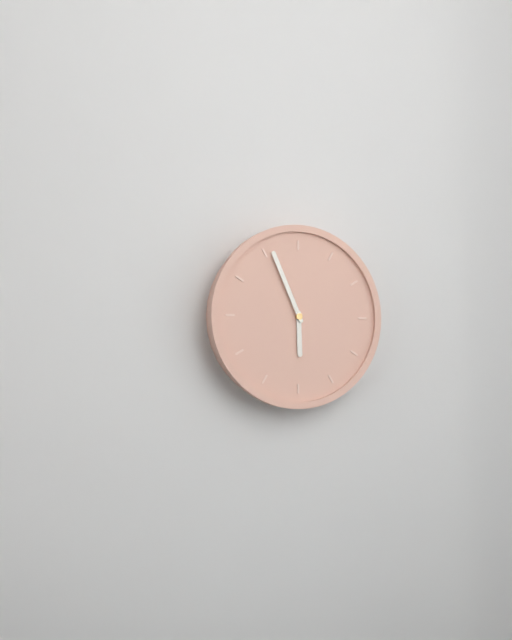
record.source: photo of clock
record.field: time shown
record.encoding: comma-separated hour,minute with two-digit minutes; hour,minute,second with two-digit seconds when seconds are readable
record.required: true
5,56
